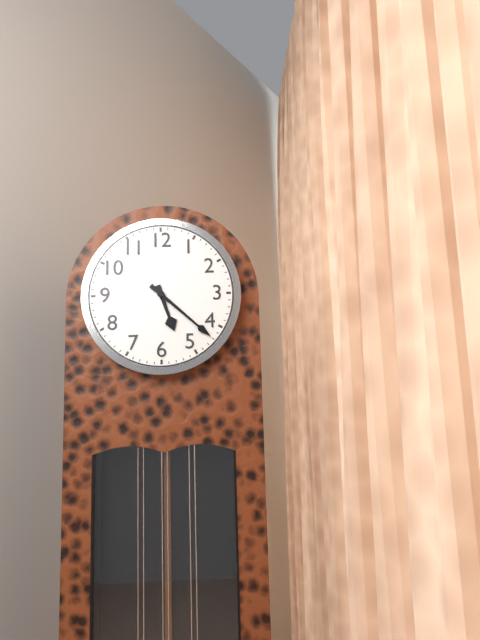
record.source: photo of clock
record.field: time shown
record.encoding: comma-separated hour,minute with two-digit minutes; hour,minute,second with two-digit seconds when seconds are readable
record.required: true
5,22
